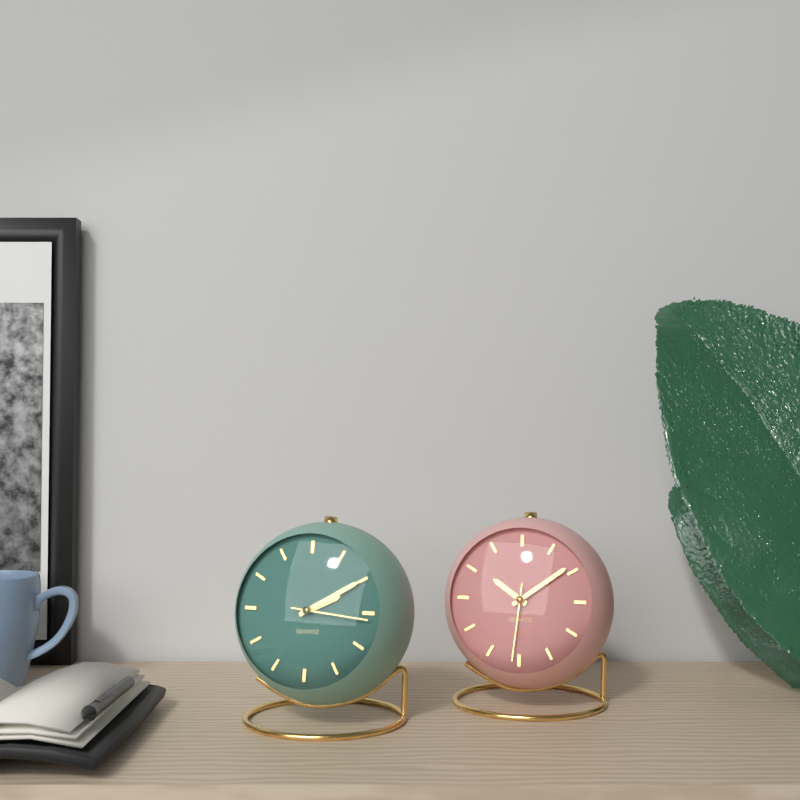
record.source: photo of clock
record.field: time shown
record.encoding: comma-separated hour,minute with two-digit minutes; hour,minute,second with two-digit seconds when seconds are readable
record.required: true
2,10,16
